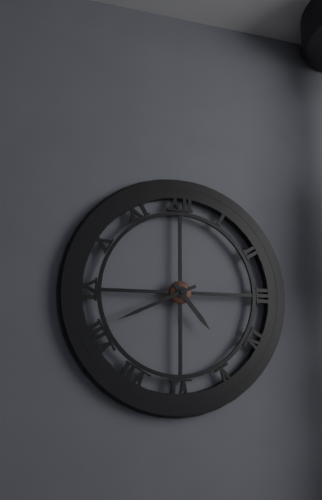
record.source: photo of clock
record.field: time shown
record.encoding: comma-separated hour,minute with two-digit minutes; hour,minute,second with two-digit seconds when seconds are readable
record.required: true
4,41
